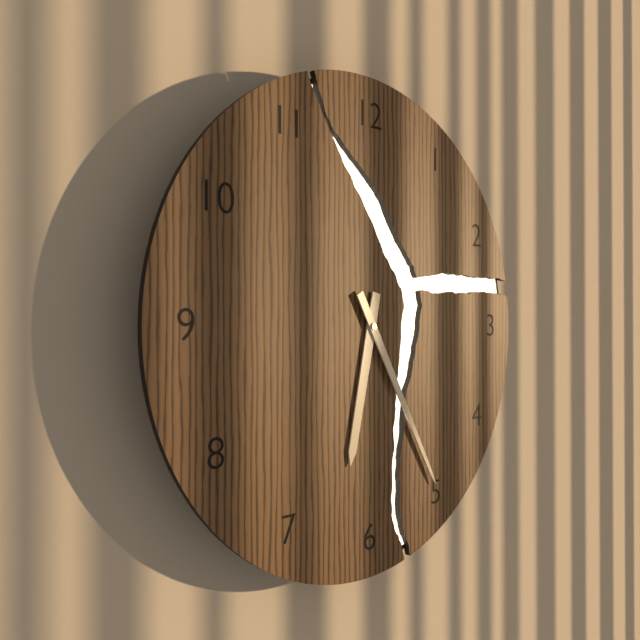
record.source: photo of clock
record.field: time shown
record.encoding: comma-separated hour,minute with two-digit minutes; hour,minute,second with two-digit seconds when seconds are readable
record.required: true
6,25
